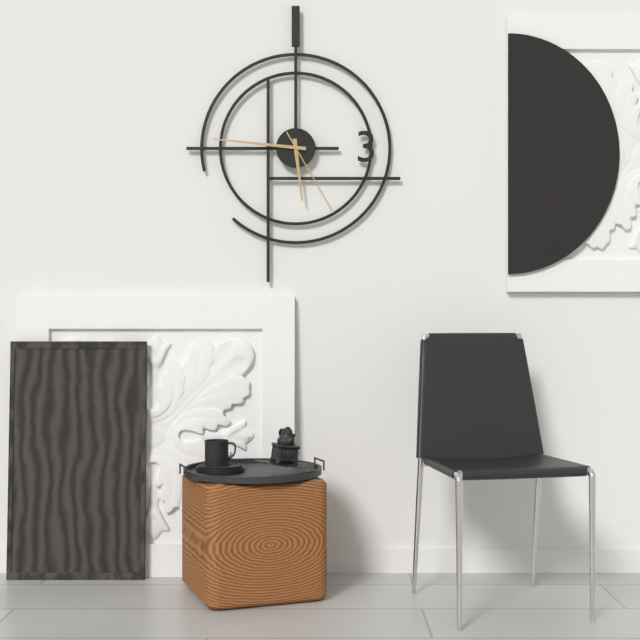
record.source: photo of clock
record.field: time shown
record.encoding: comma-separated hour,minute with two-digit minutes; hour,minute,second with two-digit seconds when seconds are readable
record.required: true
5,46,25
